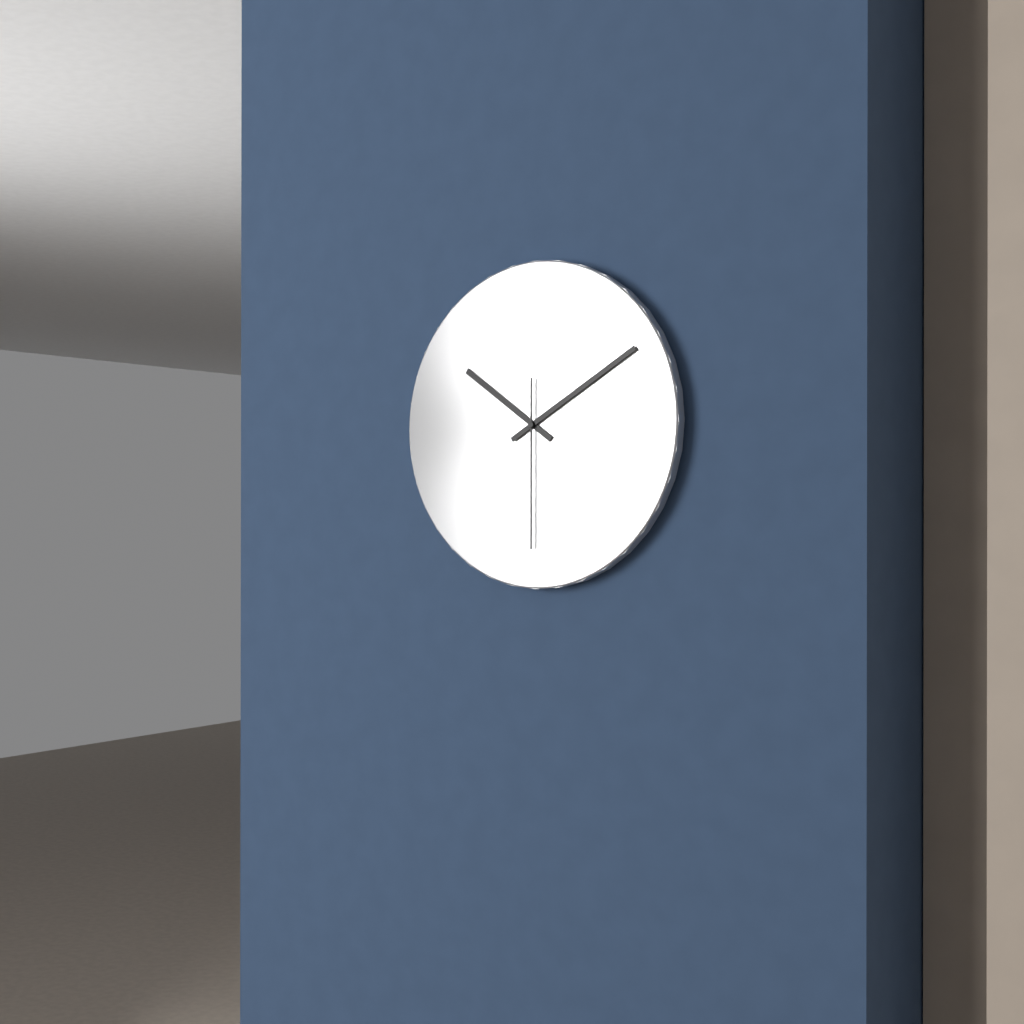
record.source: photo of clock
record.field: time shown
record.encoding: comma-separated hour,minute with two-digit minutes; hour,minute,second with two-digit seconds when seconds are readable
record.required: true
10,10,30
